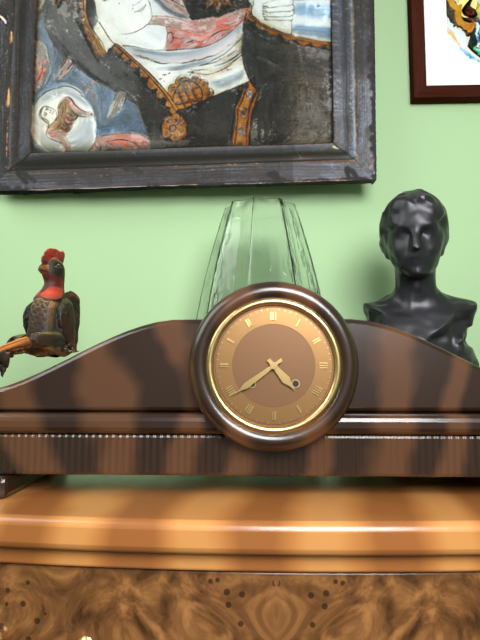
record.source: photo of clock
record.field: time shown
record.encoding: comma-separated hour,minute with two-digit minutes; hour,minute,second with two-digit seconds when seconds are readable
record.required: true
4,39
